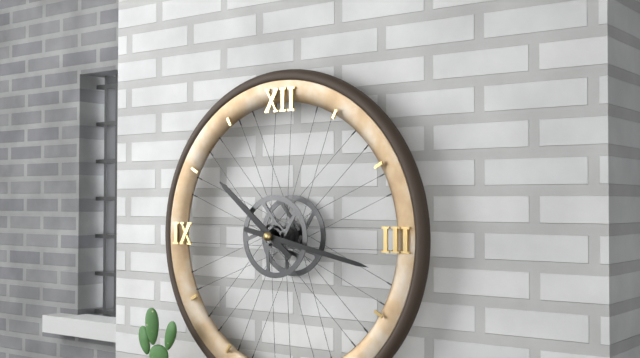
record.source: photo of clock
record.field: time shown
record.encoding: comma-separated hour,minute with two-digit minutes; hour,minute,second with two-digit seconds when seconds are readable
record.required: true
10,17
